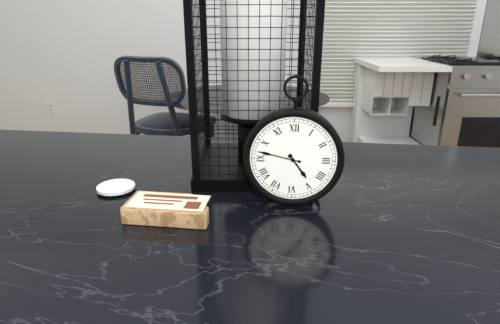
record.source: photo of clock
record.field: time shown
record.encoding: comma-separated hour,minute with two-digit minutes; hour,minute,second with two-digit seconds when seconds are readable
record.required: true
4,47
